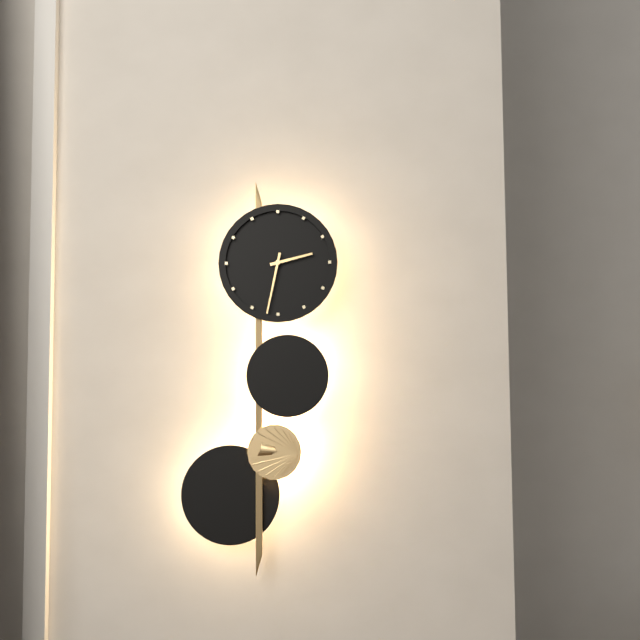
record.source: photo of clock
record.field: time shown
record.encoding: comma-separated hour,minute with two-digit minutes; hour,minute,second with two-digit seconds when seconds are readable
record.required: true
2,32
